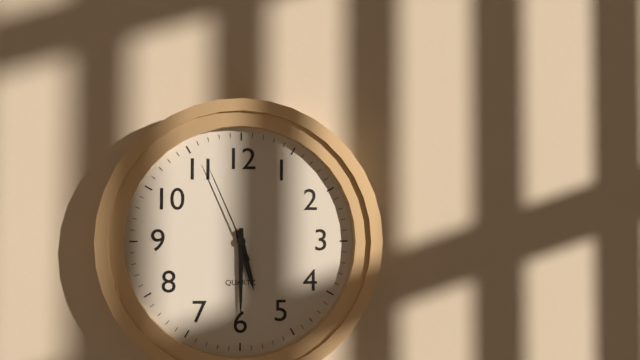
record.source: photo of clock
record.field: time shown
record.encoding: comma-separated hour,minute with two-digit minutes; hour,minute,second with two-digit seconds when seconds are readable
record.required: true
5,30,56
